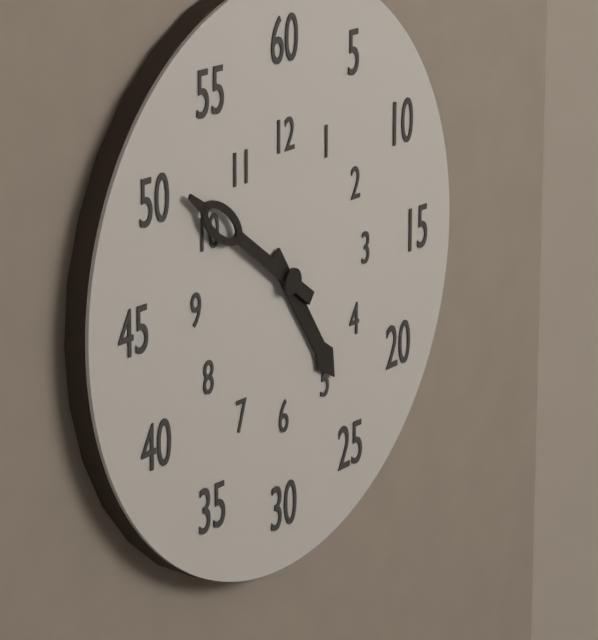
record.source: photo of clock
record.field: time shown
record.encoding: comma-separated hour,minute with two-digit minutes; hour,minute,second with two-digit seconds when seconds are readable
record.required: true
4,51
